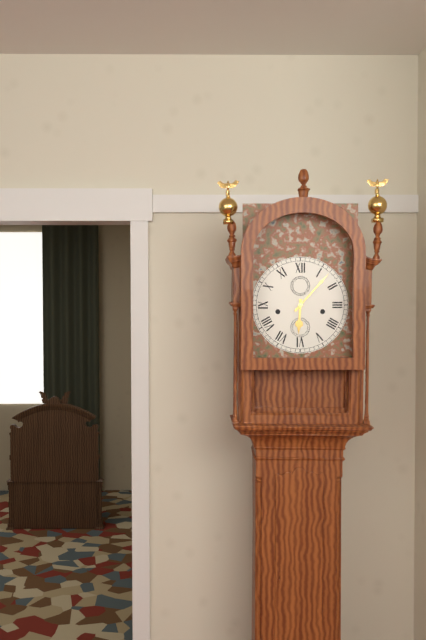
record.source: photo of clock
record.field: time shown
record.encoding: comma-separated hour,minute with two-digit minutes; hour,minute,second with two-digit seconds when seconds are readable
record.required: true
6,07
